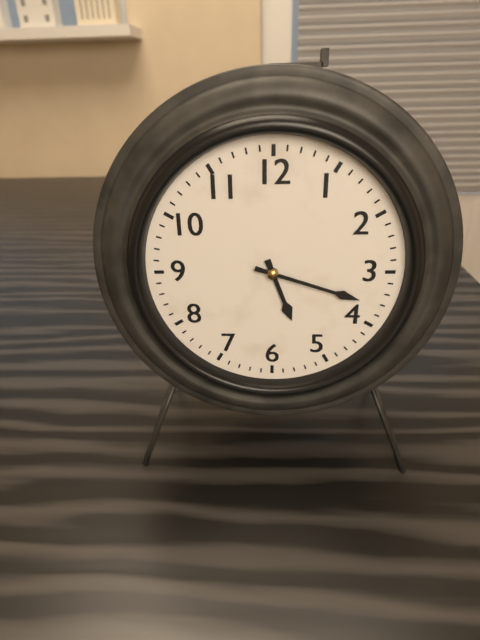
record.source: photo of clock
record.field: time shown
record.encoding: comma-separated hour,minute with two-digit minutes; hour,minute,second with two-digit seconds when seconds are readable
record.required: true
5,18
